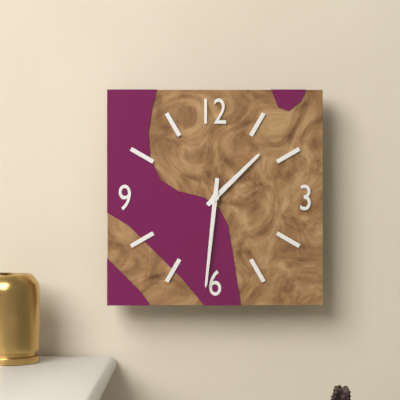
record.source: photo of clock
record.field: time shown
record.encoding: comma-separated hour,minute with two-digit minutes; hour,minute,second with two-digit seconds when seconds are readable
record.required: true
1,31
